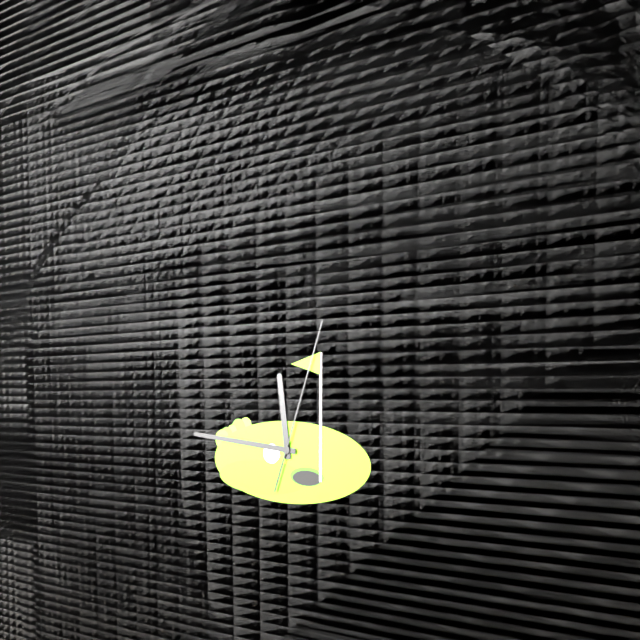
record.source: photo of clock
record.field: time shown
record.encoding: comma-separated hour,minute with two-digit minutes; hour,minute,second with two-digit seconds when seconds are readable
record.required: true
11,46,03
